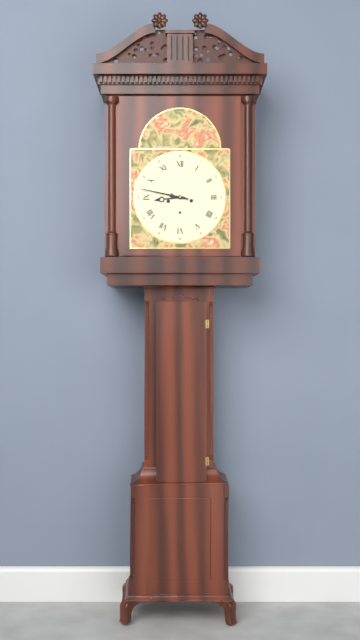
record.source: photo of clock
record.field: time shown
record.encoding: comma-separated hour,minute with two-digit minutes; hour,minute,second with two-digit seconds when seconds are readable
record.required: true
8,47
